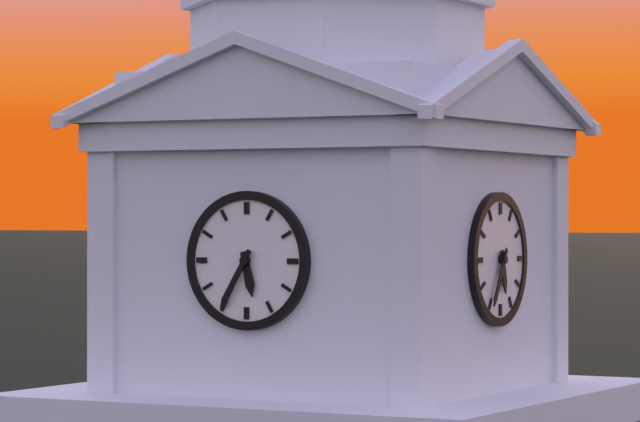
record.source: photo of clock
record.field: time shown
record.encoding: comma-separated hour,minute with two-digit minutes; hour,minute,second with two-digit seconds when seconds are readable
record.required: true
5,35
